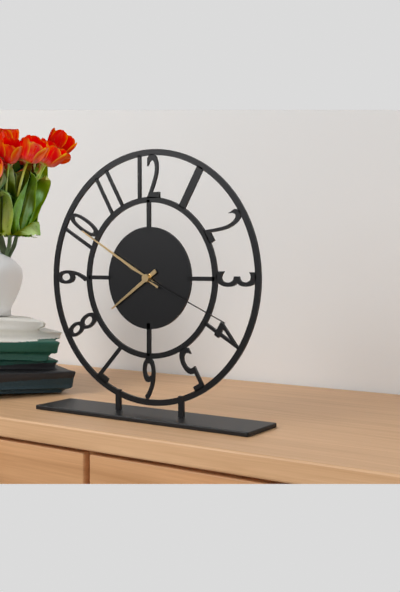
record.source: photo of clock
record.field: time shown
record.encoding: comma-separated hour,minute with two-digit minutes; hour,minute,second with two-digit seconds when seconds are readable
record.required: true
7,50,19
